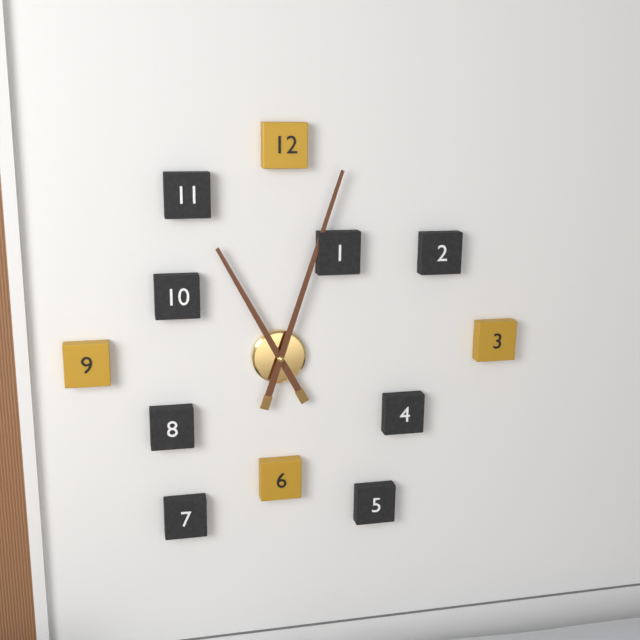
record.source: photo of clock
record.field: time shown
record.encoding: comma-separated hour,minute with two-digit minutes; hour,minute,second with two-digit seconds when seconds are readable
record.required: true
11,03
